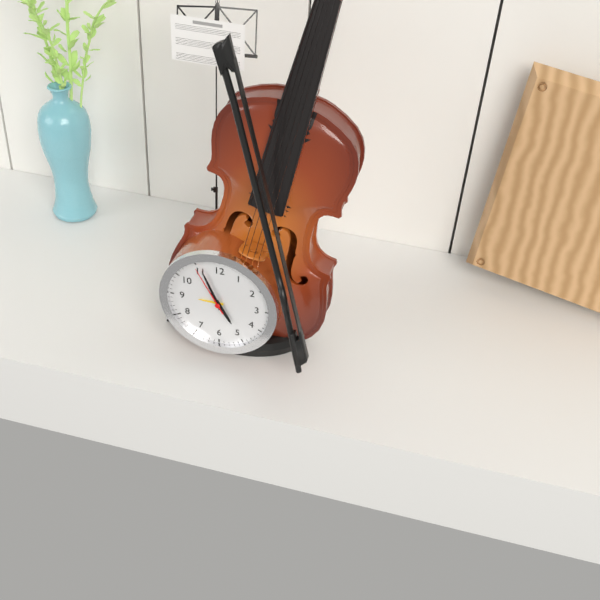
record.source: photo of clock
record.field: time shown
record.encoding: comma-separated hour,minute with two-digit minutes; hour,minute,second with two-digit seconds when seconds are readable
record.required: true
4,56,55
